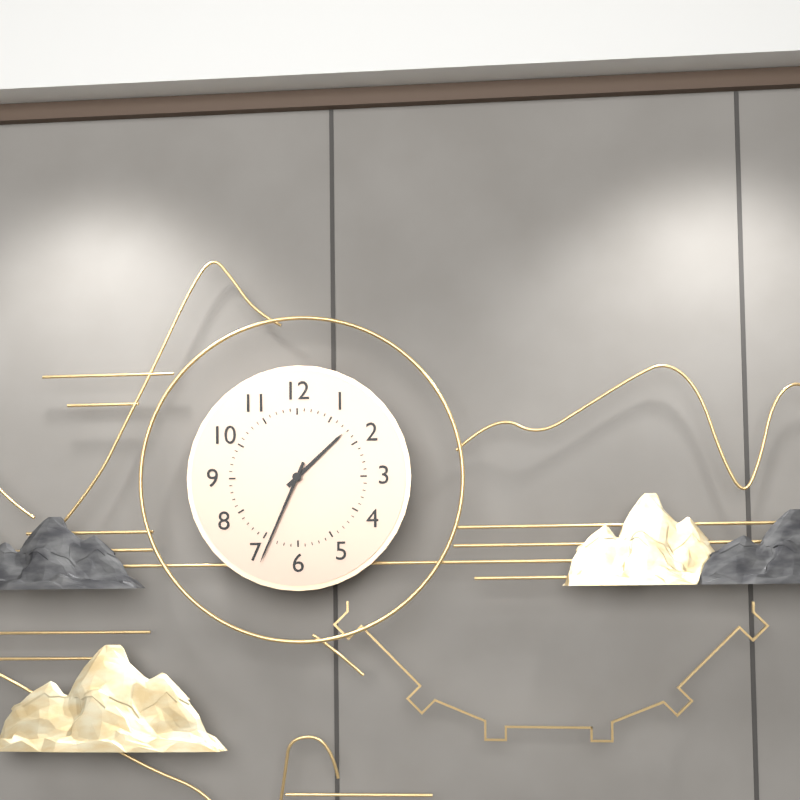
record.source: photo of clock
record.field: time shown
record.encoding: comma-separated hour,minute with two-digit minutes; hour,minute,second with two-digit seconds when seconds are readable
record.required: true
1,34
